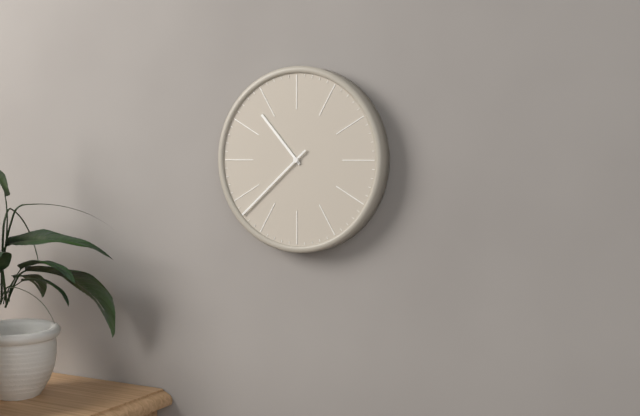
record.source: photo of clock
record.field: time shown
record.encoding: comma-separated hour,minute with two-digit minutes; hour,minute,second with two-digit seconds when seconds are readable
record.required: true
10,38
